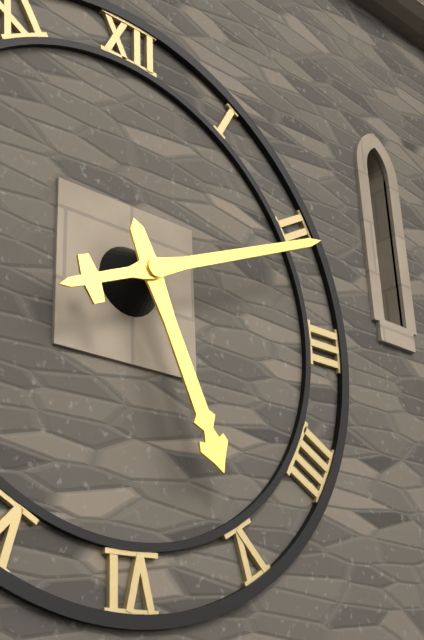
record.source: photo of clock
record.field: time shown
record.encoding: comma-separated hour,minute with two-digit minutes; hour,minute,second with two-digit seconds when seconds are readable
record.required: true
5,11
